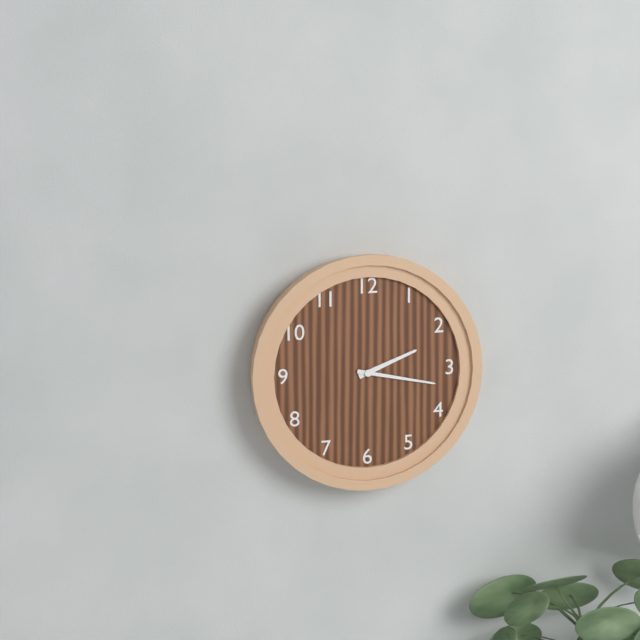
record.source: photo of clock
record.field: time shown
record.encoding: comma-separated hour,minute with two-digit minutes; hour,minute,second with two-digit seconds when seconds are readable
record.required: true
2,17
